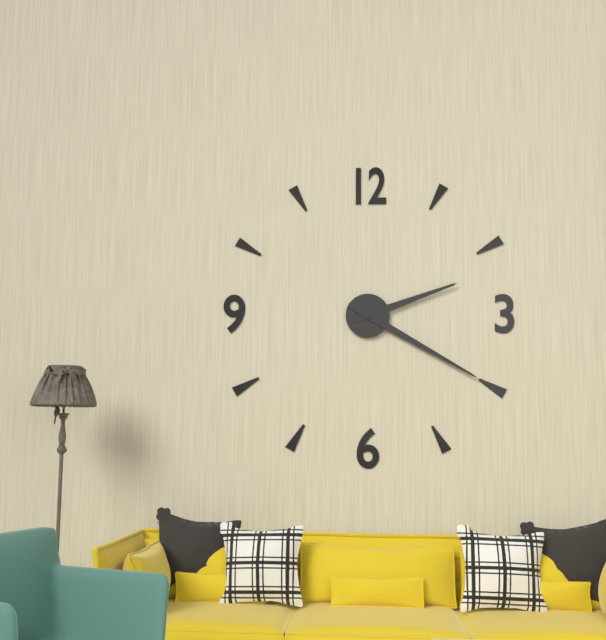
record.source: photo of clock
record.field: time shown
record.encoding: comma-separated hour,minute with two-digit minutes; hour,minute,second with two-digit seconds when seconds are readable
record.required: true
2,20
